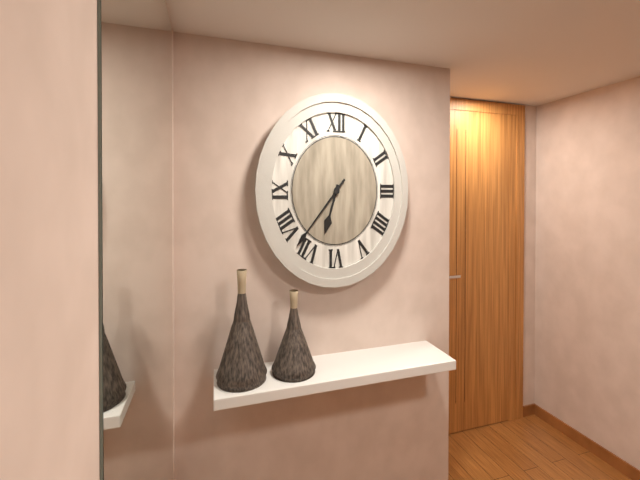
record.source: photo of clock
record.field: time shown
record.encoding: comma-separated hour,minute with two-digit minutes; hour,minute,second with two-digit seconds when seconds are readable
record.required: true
6,37
